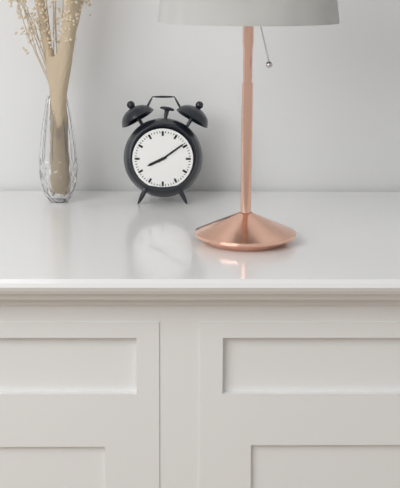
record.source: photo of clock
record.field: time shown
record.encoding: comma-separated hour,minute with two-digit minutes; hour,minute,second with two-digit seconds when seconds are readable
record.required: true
8,09
